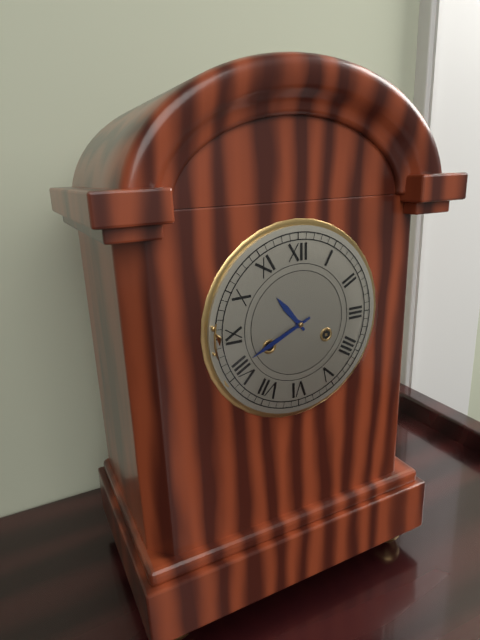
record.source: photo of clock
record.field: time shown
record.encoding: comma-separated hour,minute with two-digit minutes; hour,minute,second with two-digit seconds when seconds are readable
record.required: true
10,41
